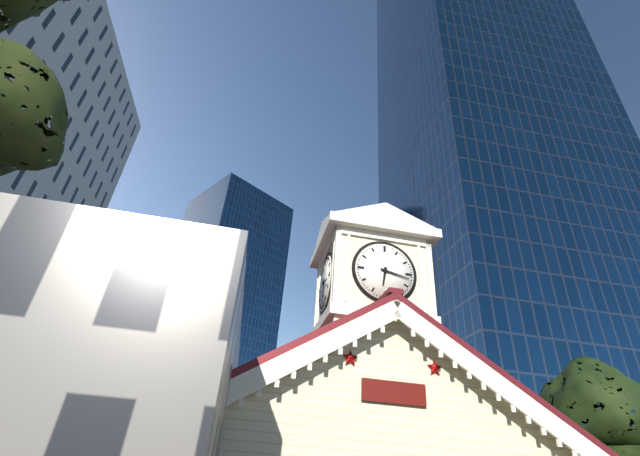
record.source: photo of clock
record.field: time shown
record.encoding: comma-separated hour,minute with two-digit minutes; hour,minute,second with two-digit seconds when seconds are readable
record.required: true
6,17
